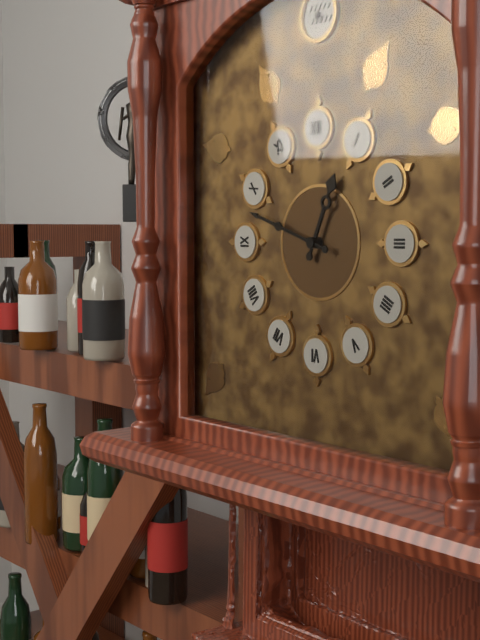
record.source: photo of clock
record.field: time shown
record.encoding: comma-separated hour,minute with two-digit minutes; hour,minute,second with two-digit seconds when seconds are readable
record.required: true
12,48
